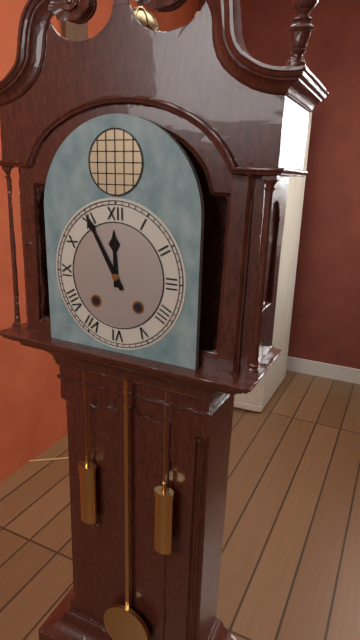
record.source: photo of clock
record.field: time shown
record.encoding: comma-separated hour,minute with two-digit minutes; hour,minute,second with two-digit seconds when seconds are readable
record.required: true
11,55
